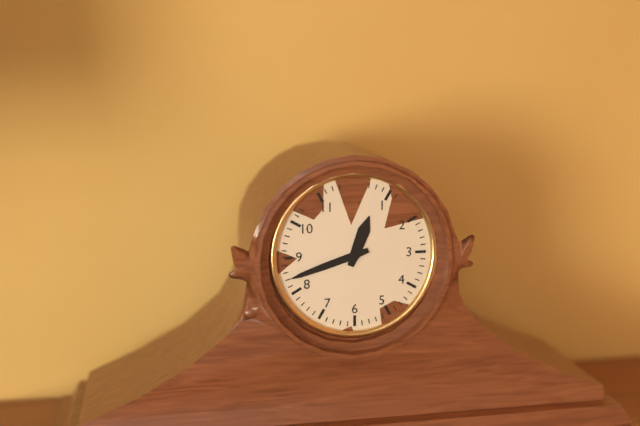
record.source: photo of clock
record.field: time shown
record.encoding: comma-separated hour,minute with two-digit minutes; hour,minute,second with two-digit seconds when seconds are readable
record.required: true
12,42
